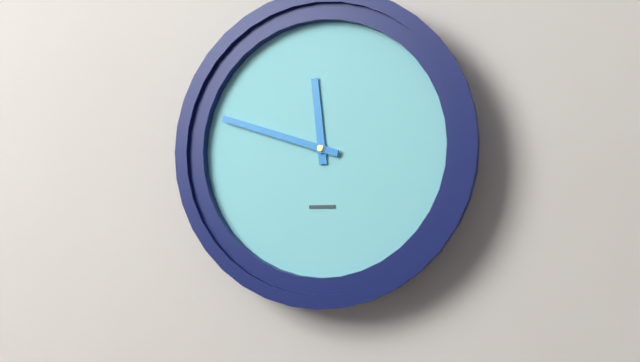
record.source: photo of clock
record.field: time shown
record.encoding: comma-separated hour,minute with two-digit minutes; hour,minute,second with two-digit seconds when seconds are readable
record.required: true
11,48
